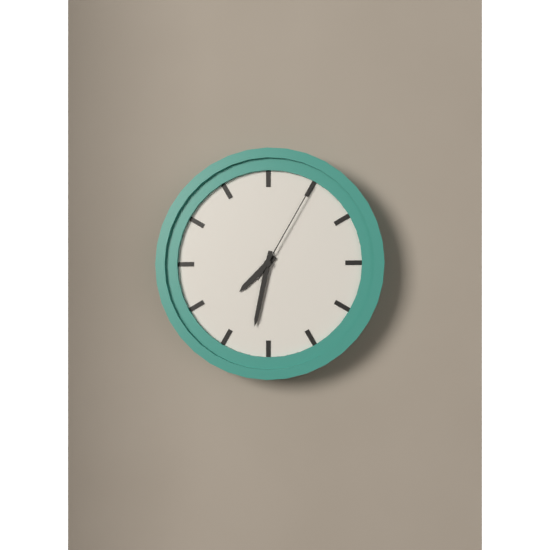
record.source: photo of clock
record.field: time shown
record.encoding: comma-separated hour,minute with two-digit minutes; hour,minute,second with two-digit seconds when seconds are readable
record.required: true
7,32,05
